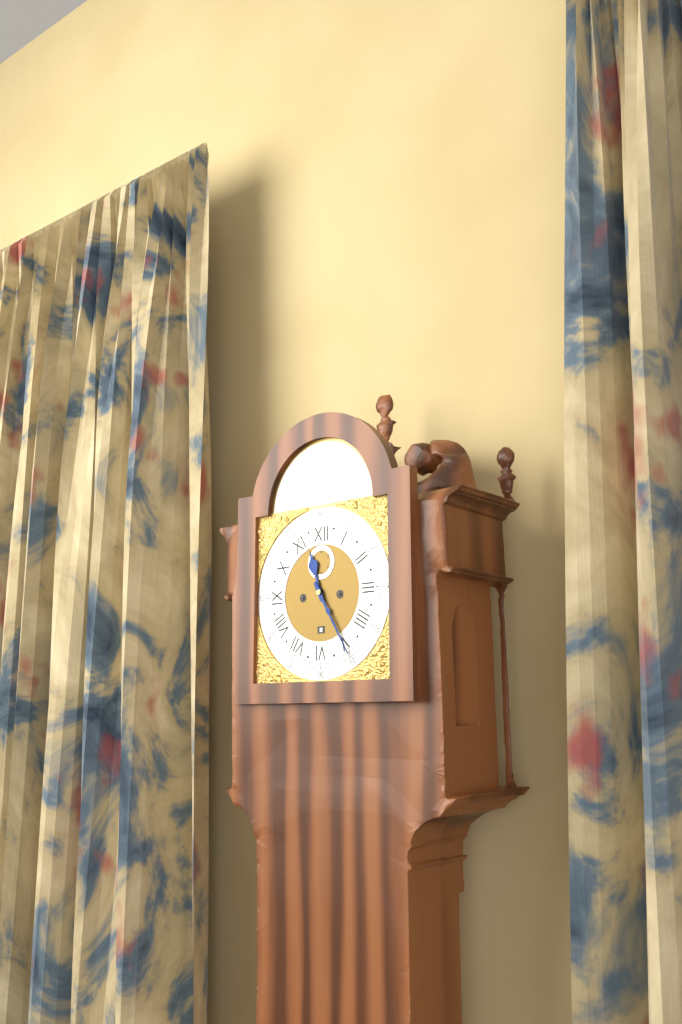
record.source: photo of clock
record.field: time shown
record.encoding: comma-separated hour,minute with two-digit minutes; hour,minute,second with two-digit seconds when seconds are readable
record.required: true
11,25
